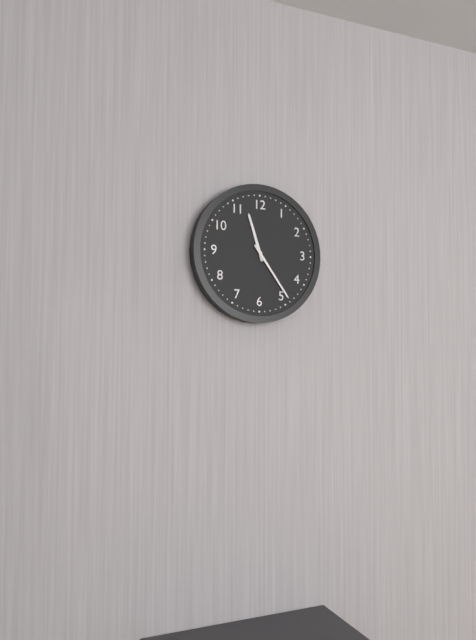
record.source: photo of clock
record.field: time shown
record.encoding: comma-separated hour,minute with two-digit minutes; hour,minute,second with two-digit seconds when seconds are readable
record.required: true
11,24
